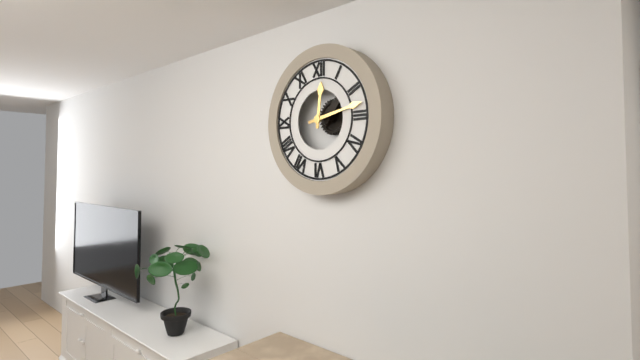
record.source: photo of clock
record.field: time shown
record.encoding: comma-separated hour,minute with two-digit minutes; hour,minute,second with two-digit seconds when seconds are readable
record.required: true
12,13
